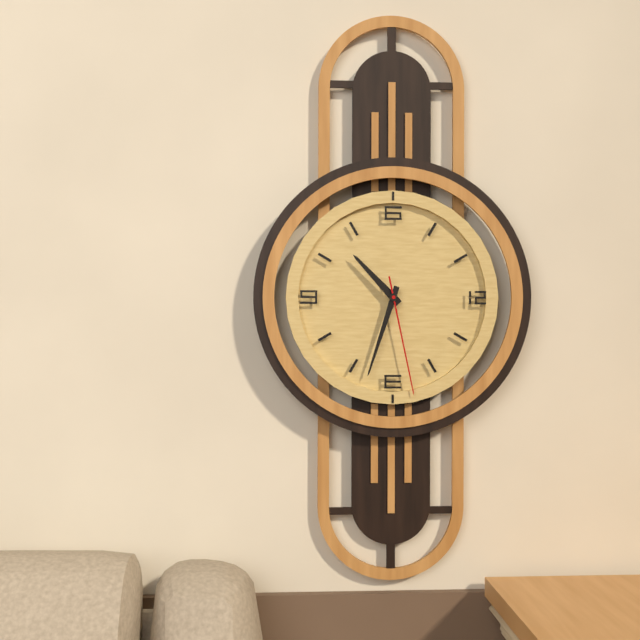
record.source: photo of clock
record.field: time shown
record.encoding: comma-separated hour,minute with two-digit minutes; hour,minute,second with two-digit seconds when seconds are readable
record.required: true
10,33,28
